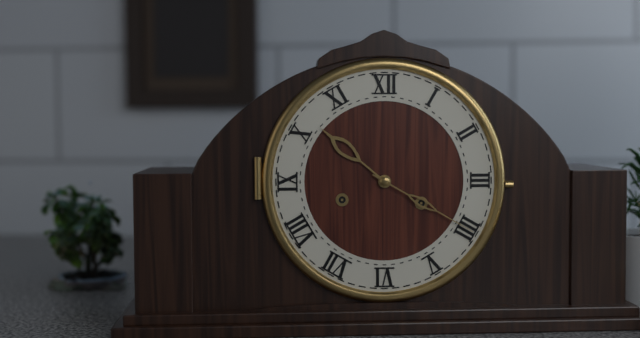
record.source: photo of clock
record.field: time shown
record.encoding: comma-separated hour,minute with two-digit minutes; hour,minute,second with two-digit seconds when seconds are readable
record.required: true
10,20
